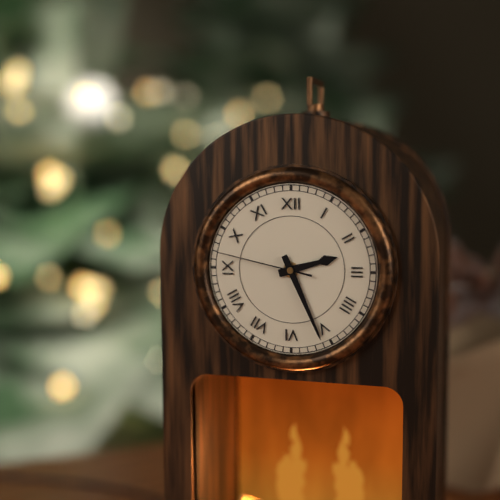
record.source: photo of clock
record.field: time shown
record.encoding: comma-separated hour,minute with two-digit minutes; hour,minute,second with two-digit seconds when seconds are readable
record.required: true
2,26,47
